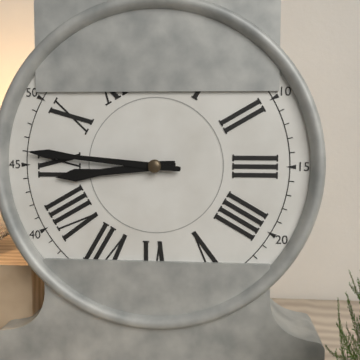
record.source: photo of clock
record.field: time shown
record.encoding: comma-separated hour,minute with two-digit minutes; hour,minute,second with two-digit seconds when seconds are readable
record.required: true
8,46
